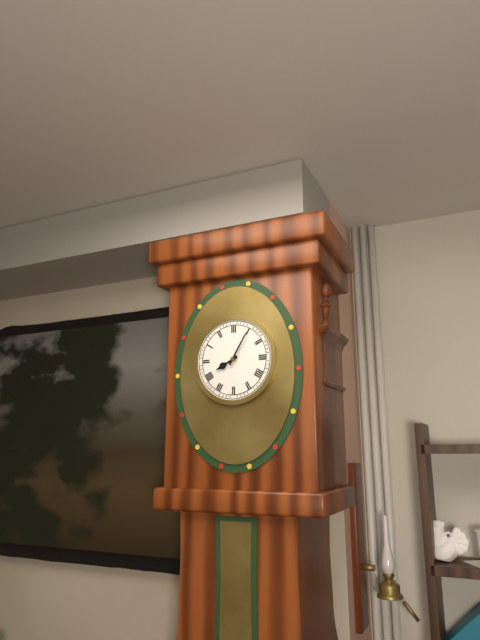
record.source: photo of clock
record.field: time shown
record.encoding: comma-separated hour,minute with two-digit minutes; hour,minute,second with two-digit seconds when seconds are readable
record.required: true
8,05
